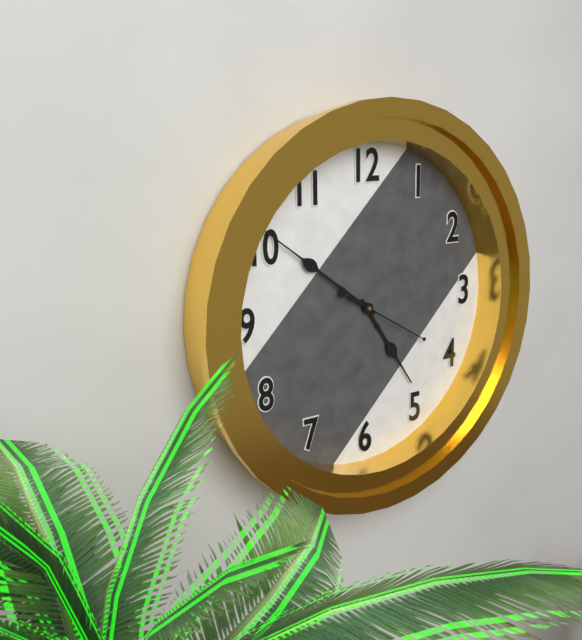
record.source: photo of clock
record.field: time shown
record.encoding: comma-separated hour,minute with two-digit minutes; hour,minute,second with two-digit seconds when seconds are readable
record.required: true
4,51,20
